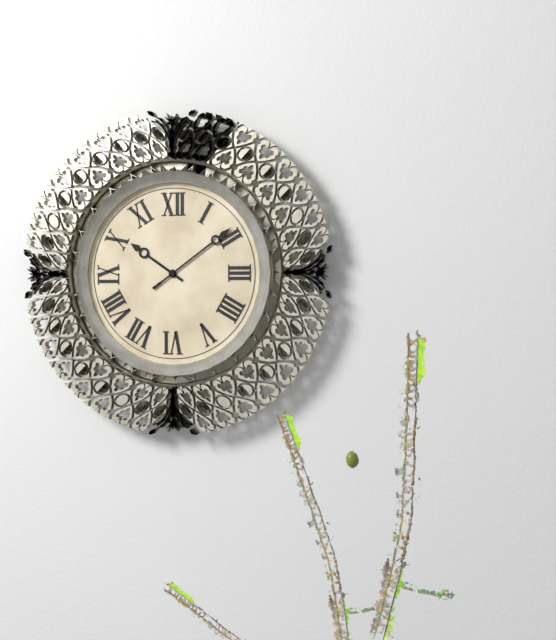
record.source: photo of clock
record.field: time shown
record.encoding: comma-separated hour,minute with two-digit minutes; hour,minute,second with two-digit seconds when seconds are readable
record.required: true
10,09
